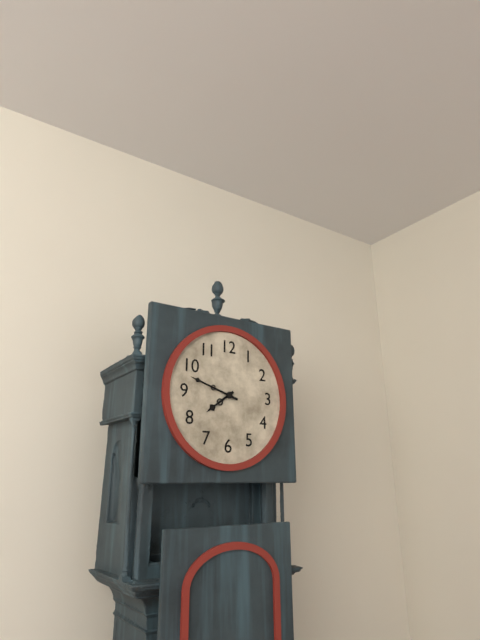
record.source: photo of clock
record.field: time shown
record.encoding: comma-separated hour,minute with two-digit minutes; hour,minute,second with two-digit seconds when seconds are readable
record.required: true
7,48
